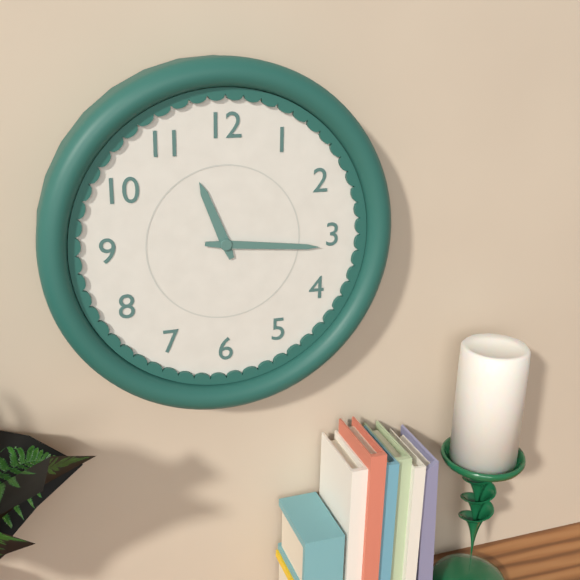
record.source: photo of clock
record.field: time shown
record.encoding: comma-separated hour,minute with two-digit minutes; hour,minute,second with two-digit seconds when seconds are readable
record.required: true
11,16
